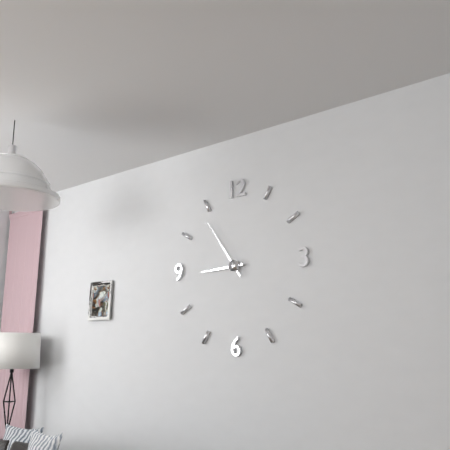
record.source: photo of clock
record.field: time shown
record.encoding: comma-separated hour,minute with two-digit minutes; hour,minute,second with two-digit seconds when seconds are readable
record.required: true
8,54
